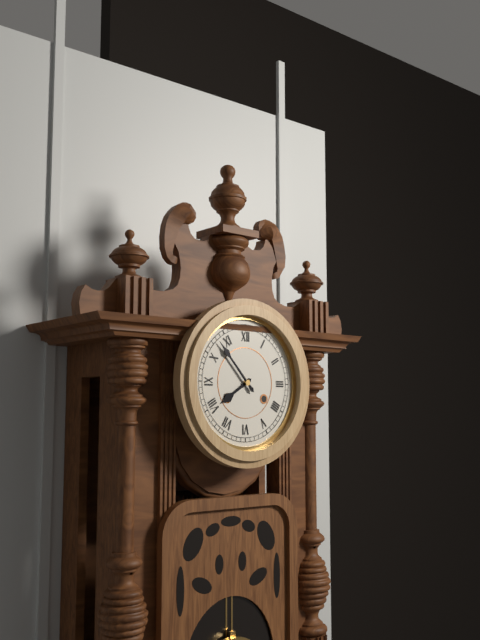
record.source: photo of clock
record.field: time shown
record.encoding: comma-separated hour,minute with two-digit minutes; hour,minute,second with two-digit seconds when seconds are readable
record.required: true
7,53
